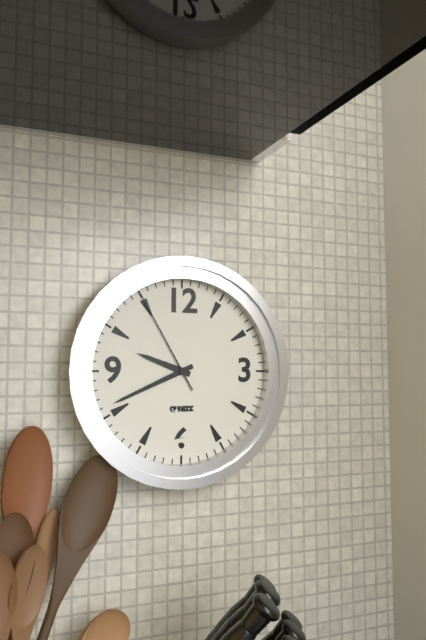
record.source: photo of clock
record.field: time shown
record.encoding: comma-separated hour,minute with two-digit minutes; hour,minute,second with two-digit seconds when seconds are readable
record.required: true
9,41,55
